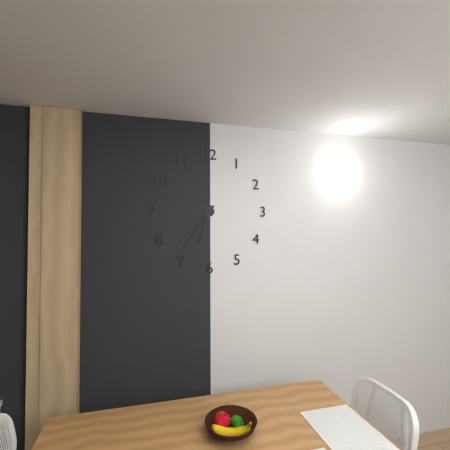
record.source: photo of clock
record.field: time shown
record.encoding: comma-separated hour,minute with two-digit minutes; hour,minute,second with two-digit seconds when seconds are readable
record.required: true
6,36
